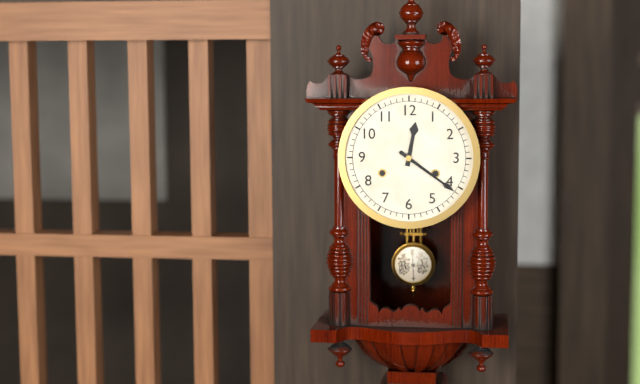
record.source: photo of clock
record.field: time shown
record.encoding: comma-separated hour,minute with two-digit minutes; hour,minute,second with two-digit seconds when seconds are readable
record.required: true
12,21
